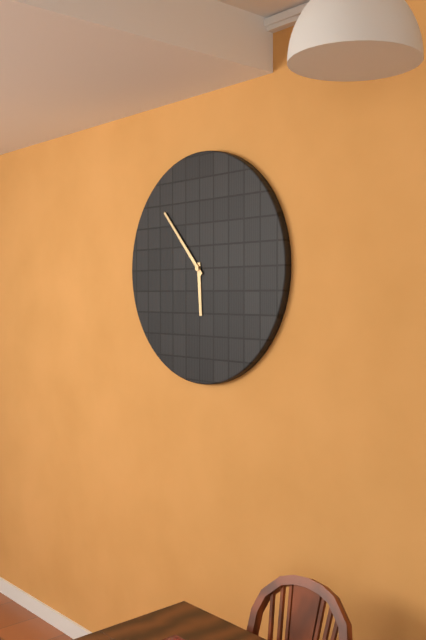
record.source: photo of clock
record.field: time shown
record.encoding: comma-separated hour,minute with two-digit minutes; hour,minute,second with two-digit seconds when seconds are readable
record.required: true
5,53
